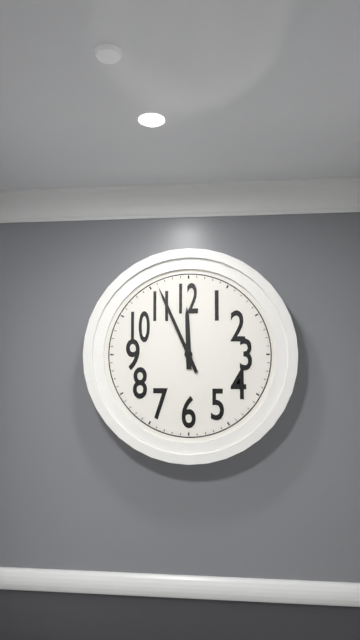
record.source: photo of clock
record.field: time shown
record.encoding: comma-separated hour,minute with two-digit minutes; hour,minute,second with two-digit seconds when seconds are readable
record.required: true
11,56
